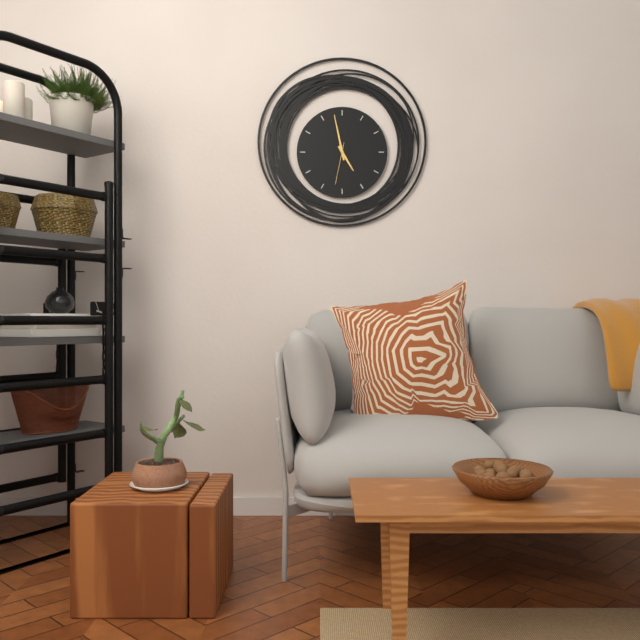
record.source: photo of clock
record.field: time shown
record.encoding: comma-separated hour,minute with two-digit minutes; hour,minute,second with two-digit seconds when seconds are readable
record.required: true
4,58
